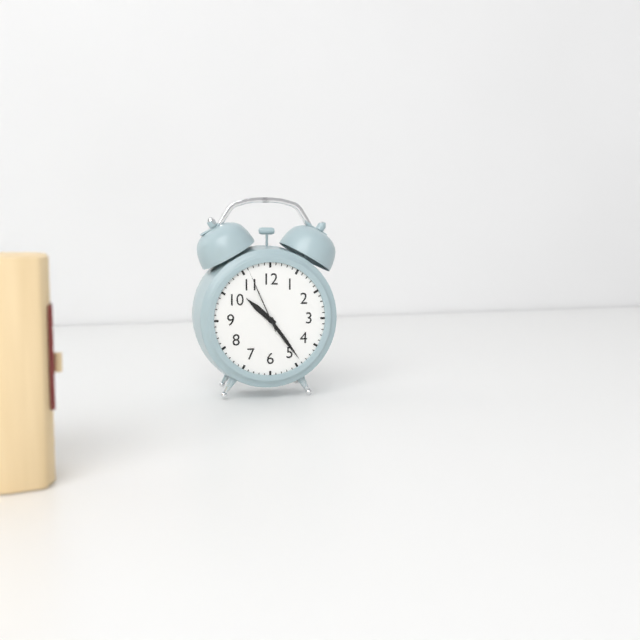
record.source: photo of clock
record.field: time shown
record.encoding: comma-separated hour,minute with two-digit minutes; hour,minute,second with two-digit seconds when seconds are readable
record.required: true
10,24,56
